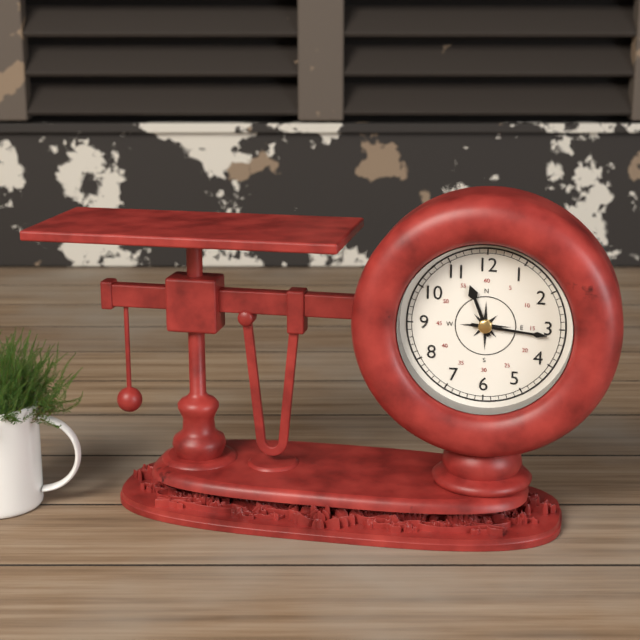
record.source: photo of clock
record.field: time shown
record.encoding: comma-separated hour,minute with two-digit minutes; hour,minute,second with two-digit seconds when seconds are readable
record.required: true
11,16
